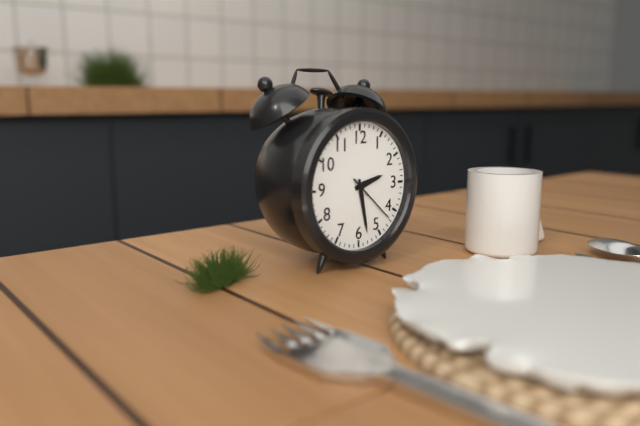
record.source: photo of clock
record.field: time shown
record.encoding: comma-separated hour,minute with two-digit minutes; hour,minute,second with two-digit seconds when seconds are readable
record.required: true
2,28,22
